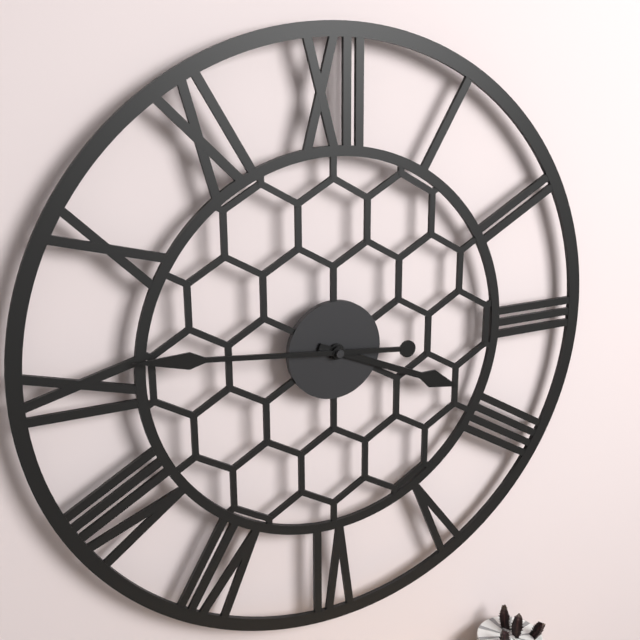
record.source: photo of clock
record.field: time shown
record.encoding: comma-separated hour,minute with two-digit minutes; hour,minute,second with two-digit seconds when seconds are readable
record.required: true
3,46
